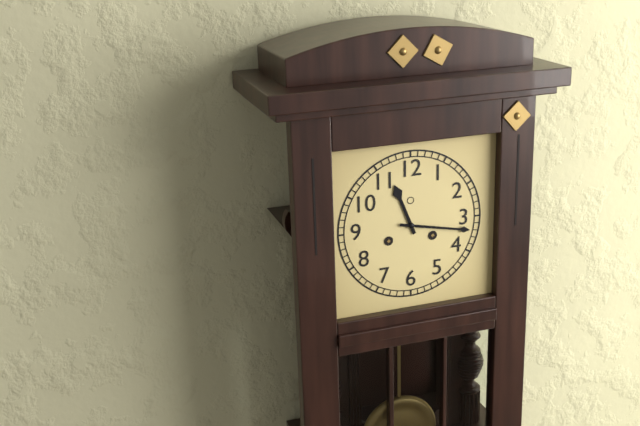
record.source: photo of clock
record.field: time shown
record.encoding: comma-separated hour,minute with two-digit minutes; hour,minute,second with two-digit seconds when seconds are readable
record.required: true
11,17
